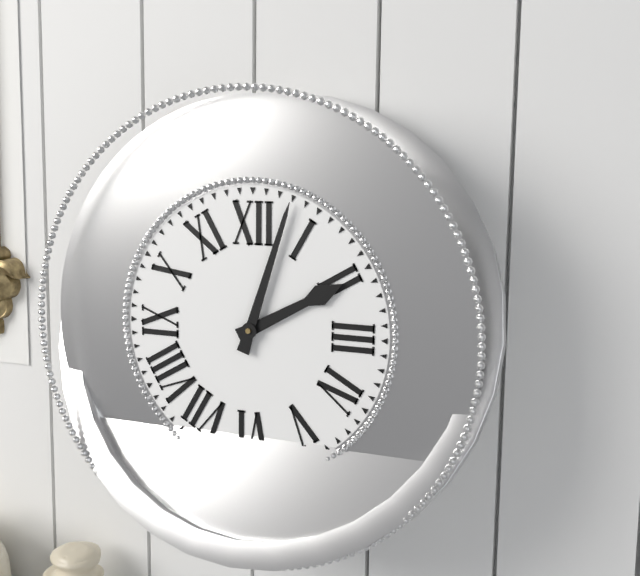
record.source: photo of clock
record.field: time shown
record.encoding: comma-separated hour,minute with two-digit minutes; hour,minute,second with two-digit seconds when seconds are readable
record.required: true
2,03
